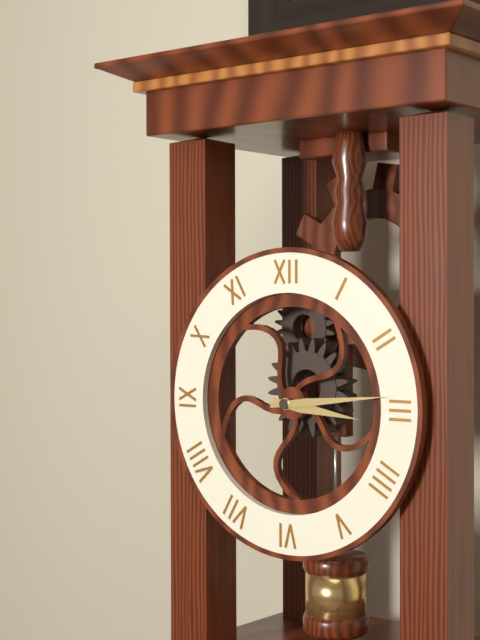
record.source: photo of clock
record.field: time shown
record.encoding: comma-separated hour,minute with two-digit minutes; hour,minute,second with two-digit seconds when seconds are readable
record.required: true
3,14
